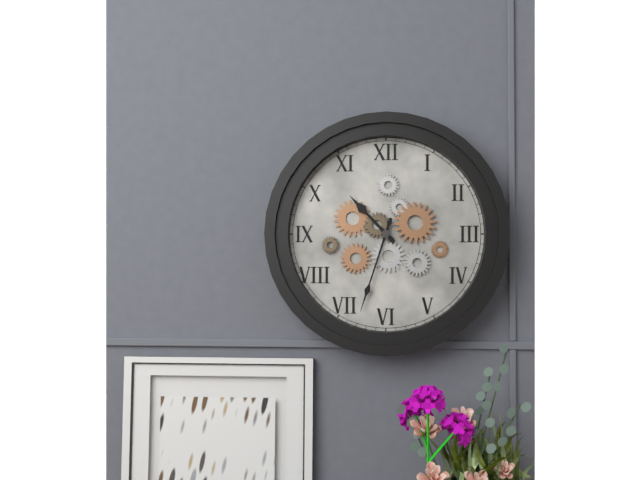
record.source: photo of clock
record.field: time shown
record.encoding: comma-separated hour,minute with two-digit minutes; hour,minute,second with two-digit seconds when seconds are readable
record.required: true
10,33
